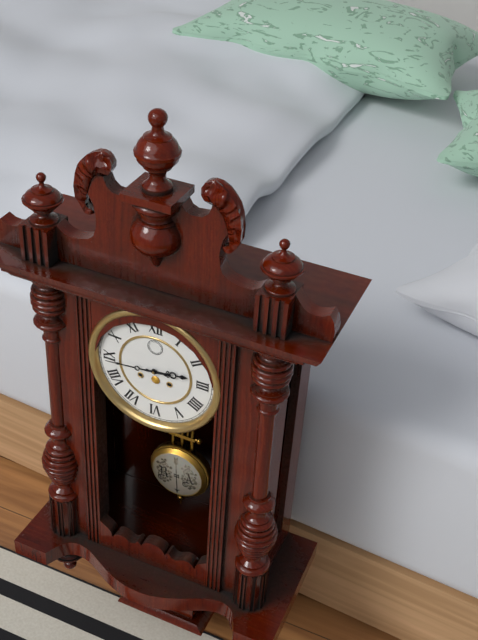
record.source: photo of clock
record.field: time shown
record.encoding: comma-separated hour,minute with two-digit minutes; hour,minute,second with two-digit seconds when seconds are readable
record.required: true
2,44
